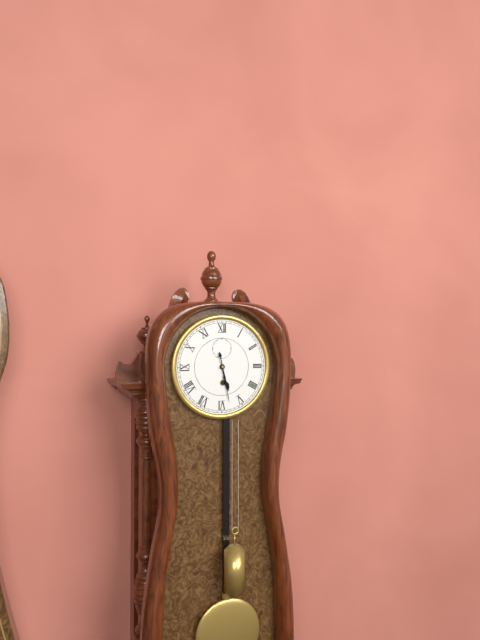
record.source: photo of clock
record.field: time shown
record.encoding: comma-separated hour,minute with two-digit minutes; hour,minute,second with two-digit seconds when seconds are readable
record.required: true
5,28
